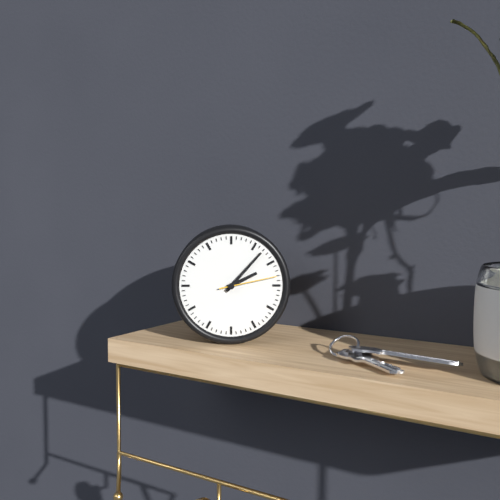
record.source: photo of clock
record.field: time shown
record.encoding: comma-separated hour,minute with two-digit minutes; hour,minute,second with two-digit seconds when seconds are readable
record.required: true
2,07,13
